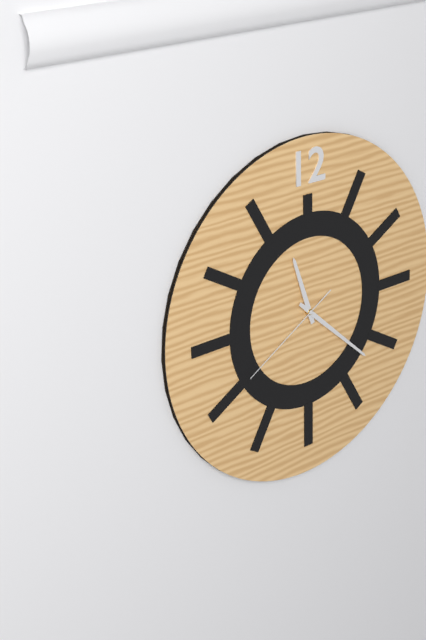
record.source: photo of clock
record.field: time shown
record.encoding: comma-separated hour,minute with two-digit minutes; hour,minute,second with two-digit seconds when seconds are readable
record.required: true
11,22,40
